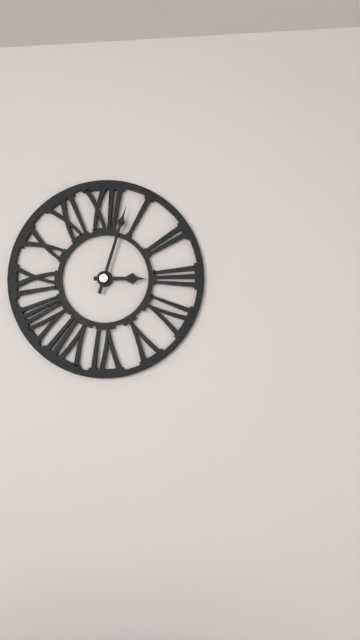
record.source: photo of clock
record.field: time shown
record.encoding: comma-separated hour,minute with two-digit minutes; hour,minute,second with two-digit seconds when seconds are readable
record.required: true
3,03
